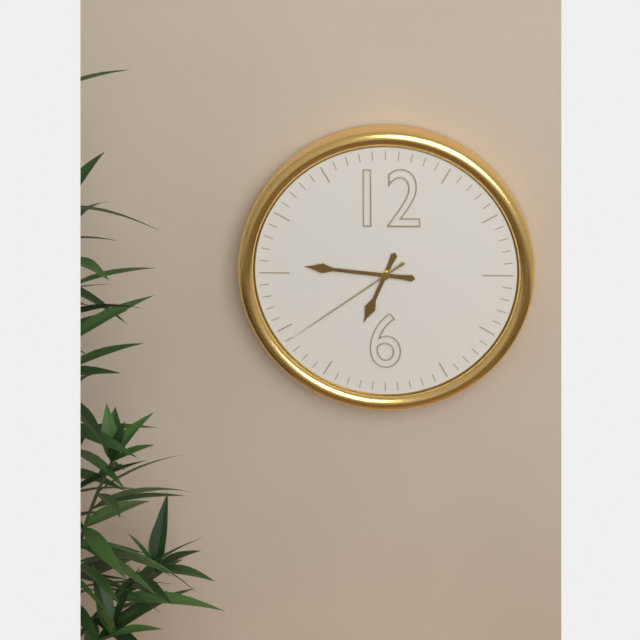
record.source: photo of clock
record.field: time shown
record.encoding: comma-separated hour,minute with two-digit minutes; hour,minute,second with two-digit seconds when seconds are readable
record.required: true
6,46,39
